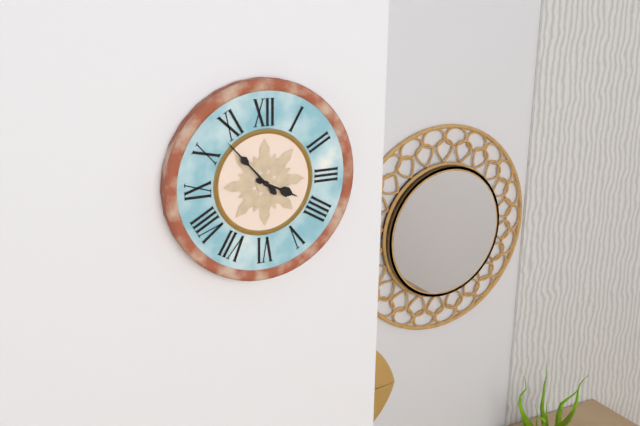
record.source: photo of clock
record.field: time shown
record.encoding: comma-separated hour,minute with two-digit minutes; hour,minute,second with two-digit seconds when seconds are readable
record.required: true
3,53
